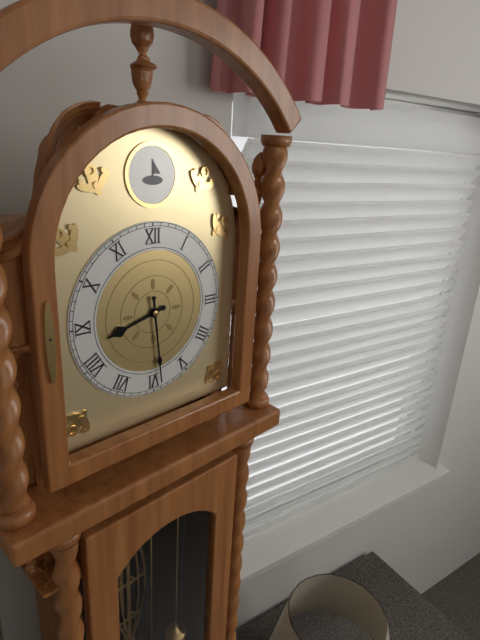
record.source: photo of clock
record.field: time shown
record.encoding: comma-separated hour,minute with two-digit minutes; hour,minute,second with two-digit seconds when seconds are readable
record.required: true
8,29
